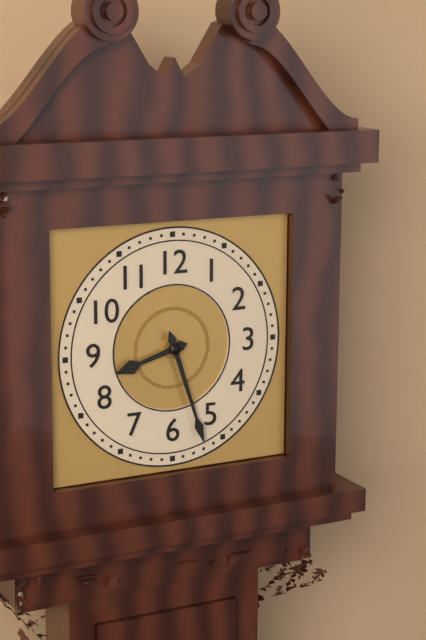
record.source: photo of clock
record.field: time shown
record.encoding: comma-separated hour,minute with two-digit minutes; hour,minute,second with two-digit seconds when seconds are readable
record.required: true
8,27
